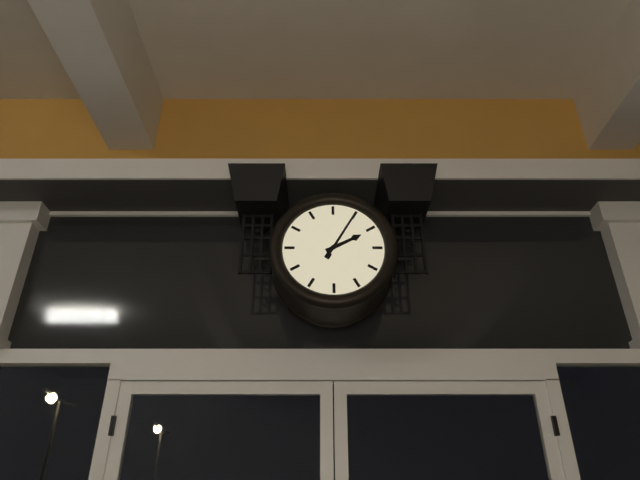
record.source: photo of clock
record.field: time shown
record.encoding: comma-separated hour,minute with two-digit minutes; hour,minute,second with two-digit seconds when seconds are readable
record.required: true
2,05
